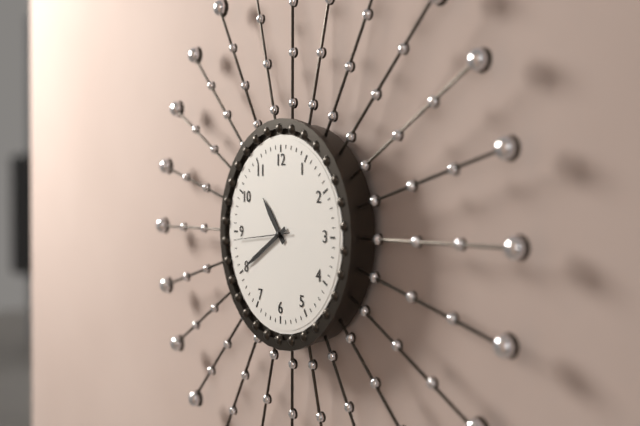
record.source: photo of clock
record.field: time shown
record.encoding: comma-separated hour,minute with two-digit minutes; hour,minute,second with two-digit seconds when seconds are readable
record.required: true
10,40,44
